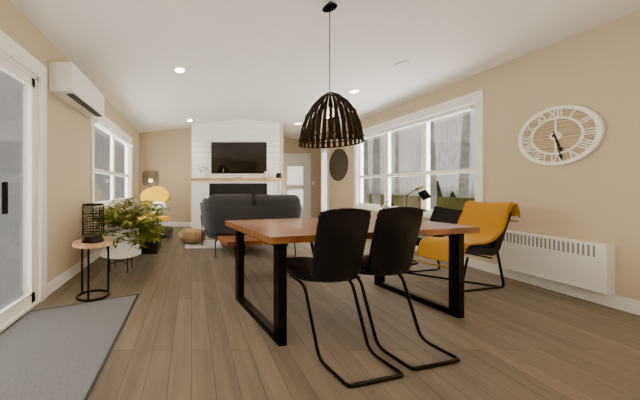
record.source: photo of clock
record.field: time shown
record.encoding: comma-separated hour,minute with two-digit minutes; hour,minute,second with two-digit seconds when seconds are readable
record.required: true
5,28
